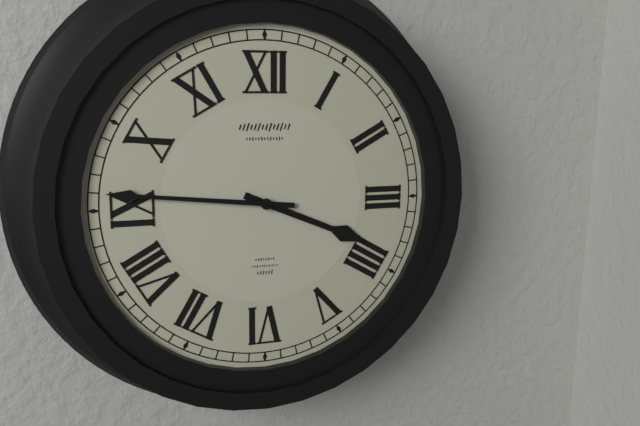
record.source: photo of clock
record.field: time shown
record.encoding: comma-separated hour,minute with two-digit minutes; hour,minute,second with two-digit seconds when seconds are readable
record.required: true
3,46
